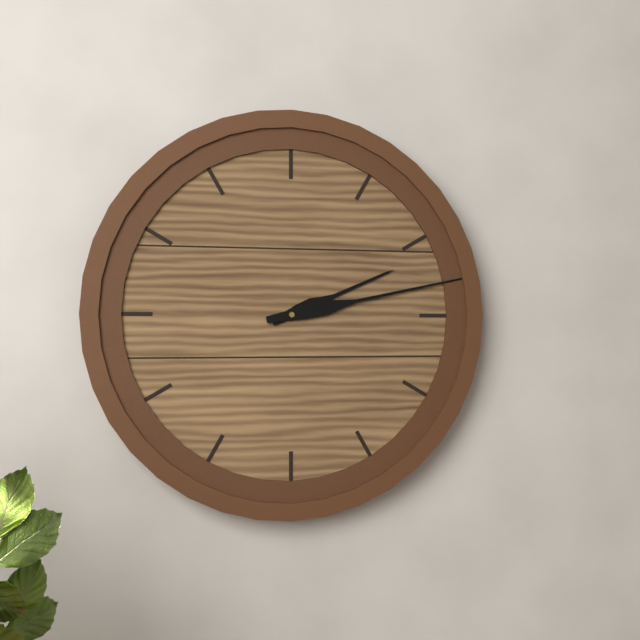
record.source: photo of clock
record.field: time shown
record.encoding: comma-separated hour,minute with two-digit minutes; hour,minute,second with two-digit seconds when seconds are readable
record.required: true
2,13
